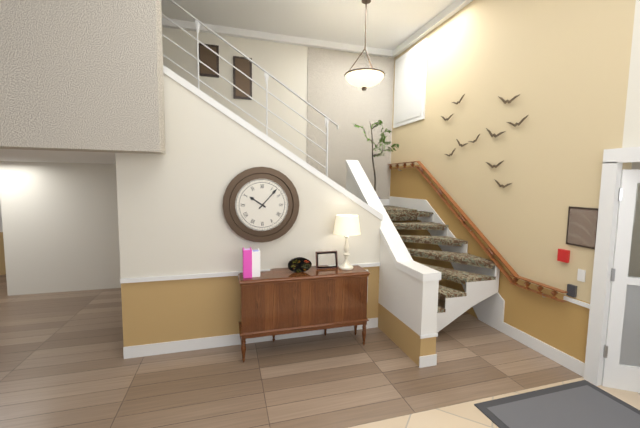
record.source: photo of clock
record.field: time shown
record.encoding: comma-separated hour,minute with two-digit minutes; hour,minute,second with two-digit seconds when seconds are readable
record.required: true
10,07
